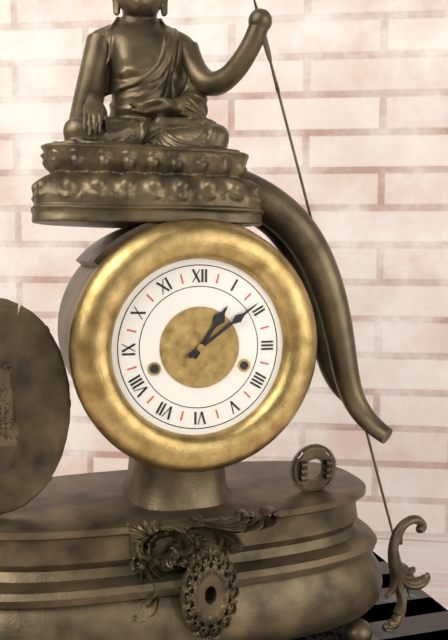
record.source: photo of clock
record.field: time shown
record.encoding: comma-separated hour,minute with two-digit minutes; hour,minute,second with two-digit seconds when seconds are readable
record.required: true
1,09
